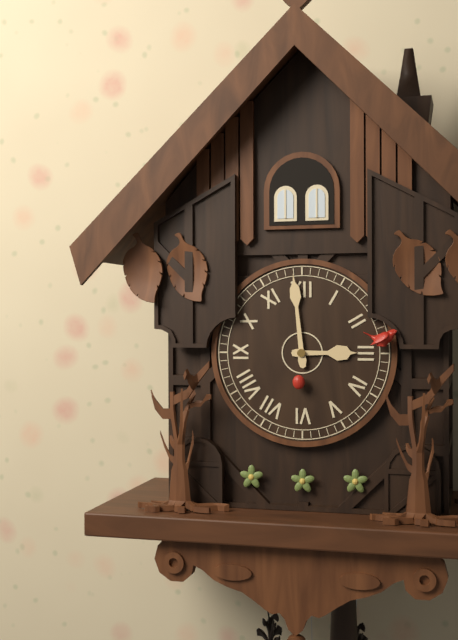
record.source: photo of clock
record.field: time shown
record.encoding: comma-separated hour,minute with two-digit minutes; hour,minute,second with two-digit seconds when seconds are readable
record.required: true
2,59
